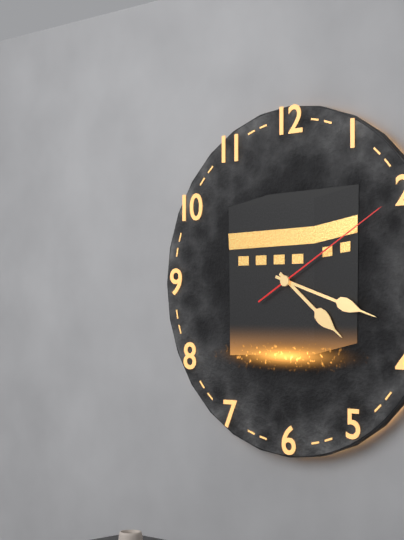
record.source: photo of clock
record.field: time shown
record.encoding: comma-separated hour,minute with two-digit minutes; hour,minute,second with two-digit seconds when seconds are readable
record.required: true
4,18,10
